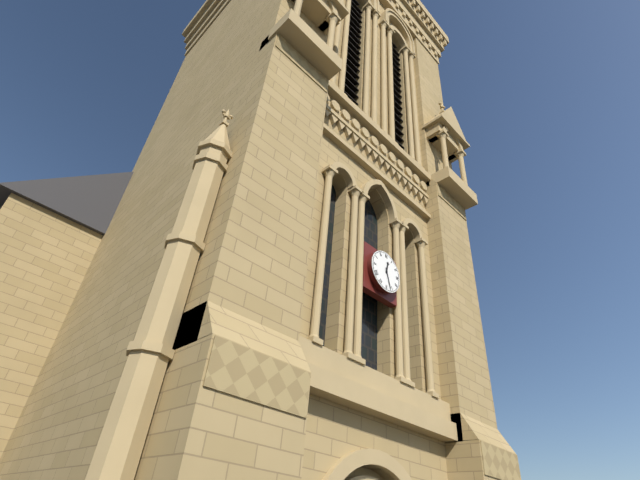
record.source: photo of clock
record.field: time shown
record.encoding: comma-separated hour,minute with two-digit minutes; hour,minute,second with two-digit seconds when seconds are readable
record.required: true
12,27
